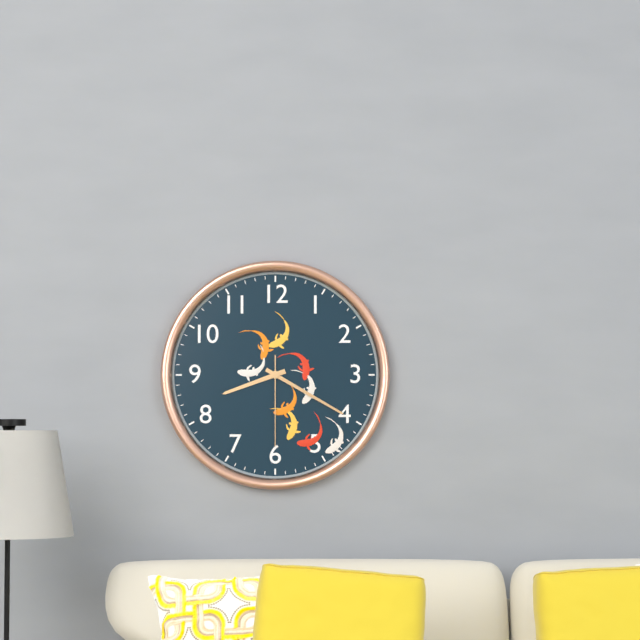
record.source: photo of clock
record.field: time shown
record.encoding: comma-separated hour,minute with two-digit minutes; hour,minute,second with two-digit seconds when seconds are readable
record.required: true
8,20,30
